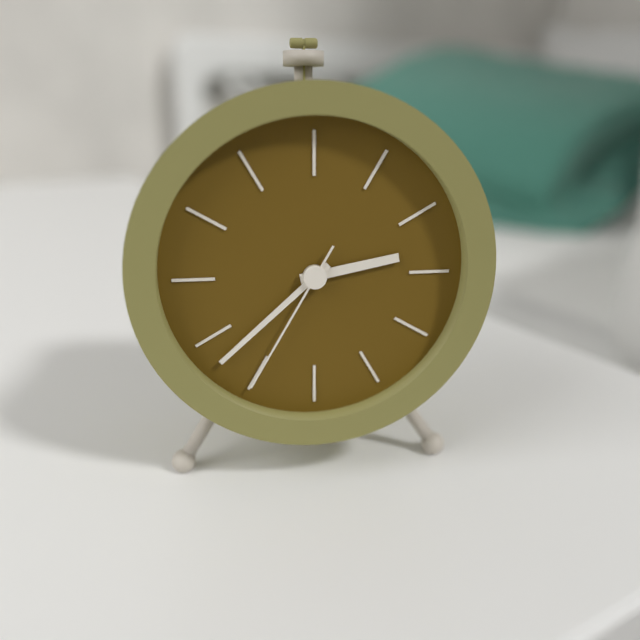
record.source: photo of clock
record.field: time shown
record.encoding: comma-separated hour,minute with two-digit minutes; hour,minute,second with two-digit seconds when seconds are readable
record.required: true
2,38,35
